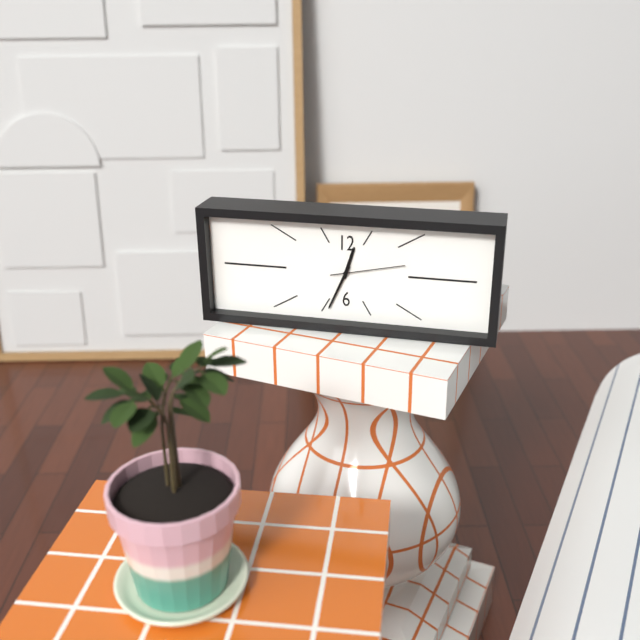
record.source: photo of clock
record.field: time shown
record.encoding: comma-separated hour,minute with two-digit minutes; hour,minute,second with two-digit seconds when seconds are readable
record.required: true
12,34,13
